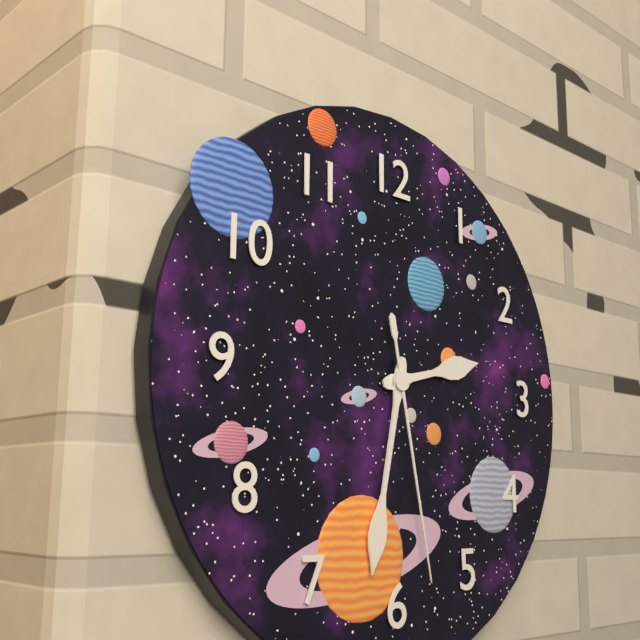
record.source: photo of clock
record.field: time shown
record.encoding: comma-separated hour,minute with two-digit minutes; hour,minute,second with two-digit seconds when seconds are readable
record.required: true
2,32,28
